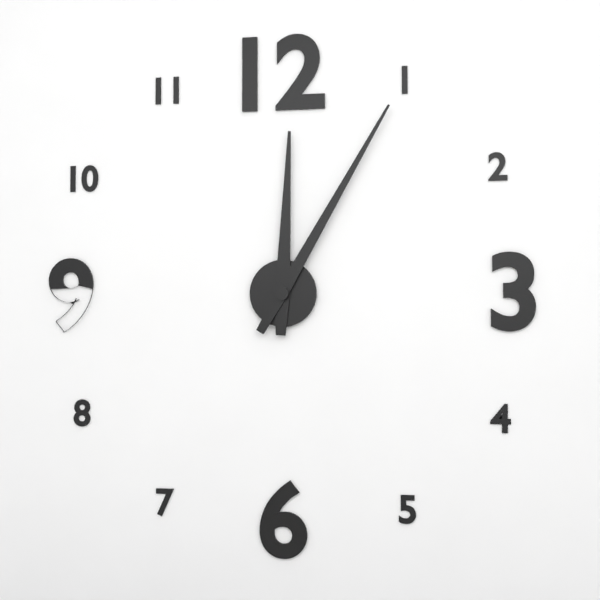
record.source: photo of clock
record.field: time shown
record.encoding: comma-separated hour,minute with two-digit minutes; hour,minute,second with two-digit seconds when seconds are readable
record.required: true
12,05
